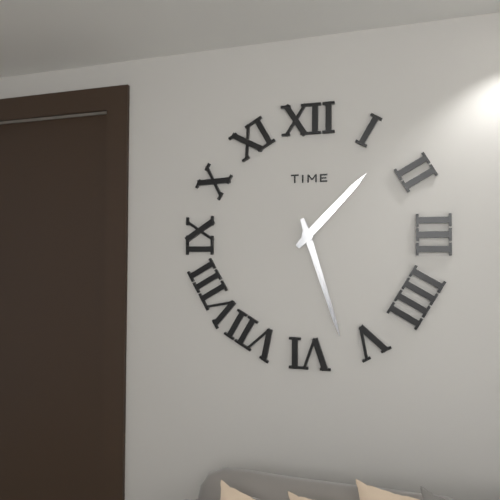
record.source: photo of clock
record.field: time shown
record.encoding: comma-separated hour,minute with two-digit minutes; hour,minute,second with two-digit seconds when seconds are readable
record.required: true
1,27
